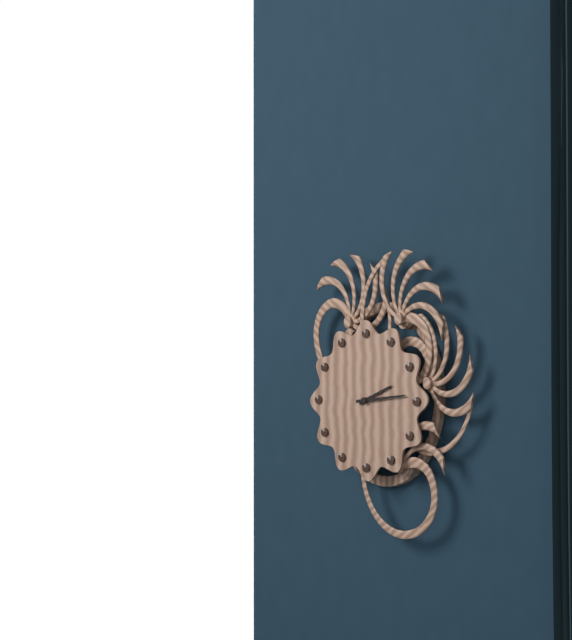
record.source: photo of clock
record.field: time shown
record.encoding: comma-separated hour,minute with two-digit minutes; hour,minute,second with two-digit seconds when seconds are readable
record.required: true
2,14
